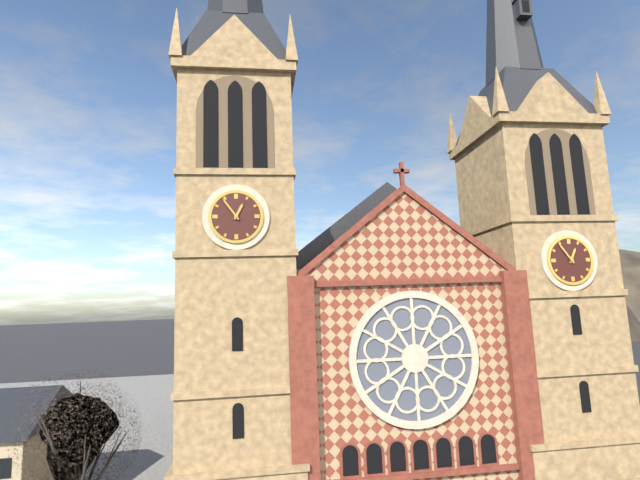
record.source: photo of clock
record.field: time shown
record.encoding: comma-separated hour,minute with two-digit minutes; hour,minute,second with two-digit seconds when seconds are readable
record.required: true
12,54
